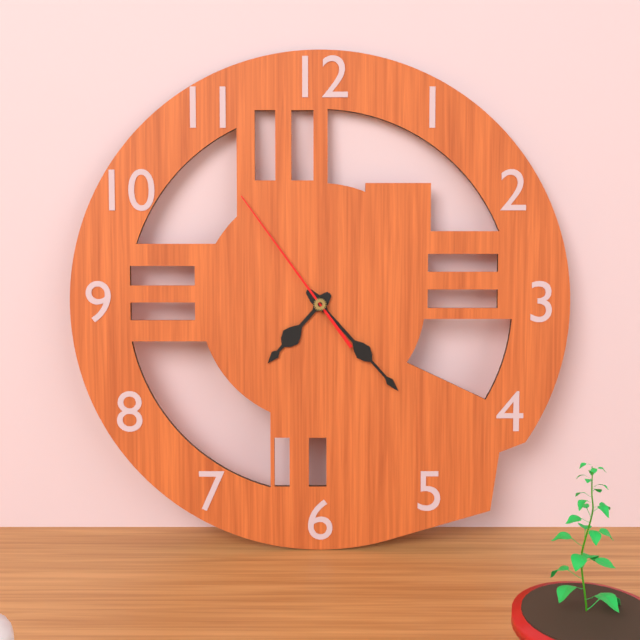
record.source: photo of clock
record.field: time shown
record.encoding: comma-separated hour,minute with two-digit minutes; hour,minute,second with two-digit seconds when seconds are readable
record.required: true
7,23,54
